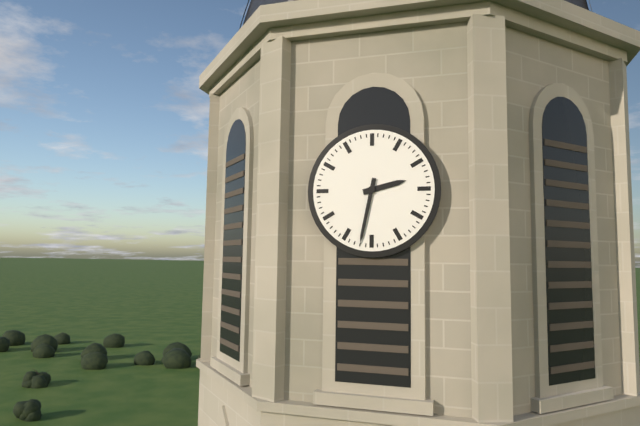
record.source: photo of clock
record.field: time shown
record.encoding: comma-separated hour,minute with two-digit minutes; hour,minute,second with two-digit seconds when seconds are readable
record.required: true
2,32
